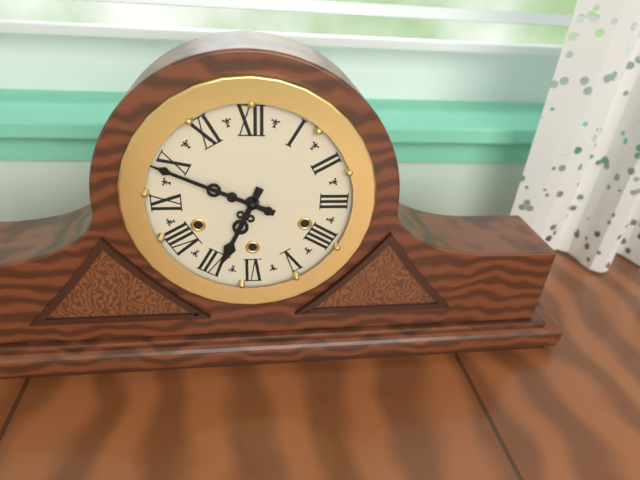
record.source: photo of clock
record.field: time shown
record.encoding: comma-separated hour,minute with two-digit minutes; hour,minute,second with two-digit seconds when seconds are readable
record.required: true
6,49
